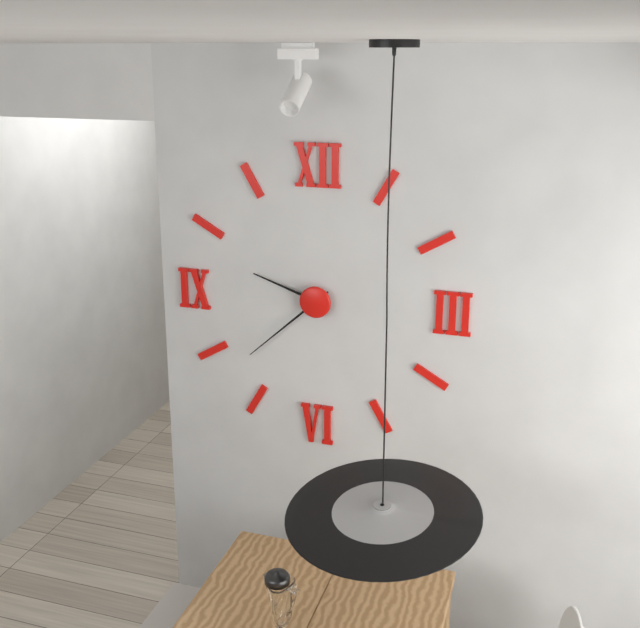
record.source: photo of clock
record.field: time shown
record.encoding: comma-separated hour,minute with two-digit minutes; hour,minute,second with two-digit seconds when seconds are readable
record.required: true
9,38
